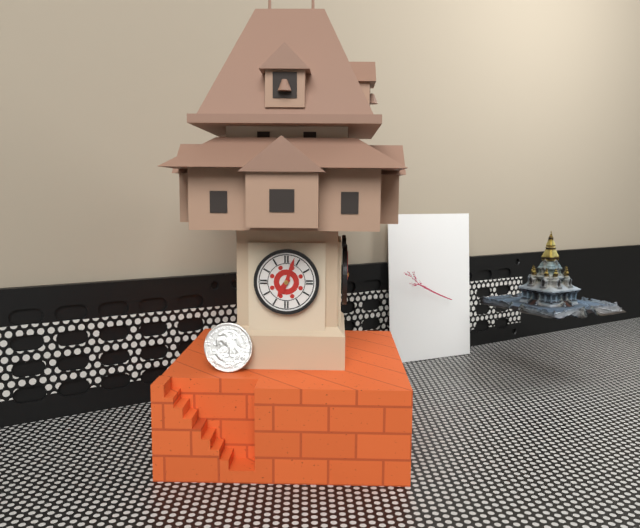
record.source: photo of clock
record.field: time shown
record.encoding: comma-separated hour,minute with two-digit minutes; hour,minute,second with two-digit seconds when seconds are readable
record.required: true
7,03
